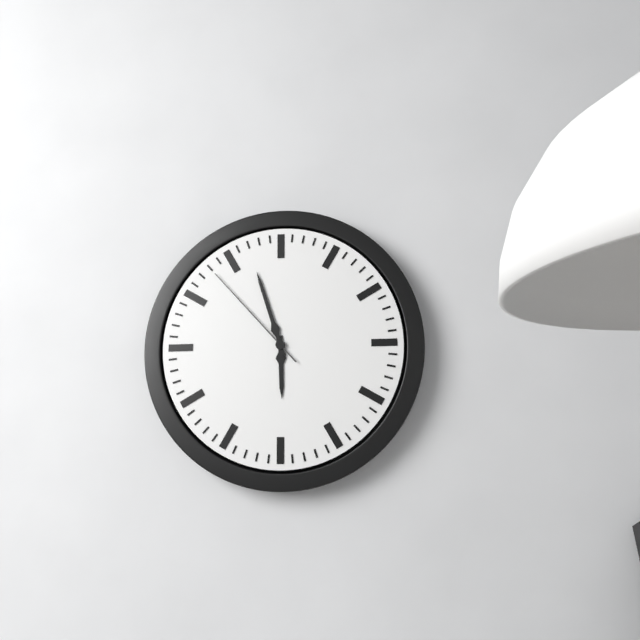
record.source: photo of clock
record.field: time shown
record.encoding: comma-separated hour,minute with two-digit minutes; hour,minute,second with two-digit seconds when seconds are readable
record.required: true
5,57,53
